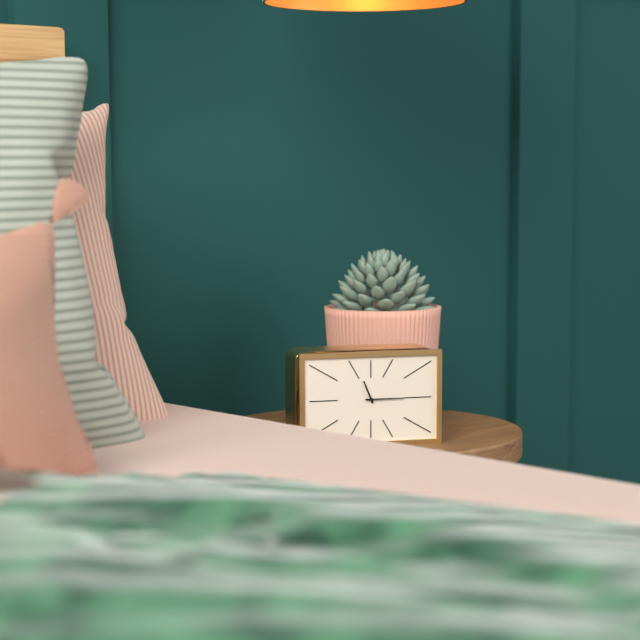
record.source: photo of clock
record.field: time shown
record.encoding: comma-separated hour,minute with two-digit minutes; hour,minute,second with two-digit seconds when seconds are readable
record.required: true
11,15
